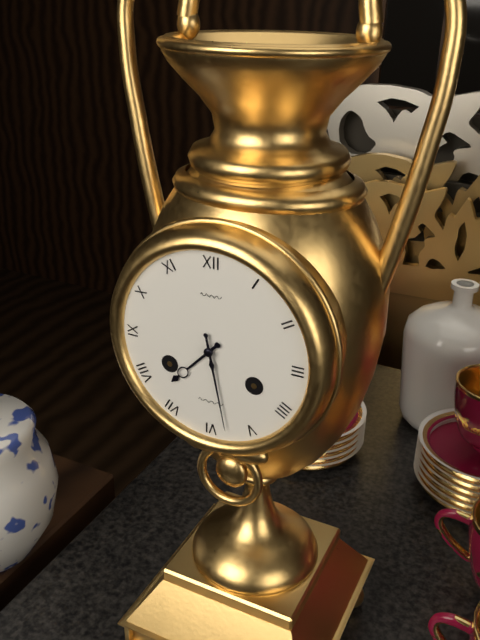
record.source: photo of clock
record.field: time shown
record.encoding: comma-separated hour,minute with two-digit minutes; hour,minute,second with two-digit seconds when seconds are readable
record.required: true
7,28
